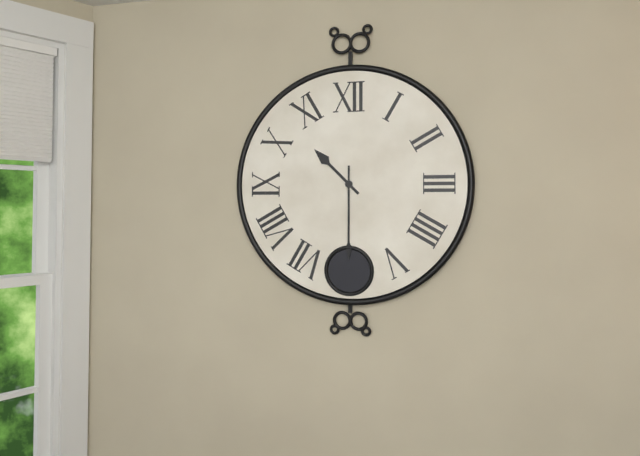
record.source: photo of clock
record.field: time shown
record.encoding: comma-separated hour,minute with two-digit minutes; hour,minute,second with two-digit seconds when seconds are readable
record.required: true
10,30
